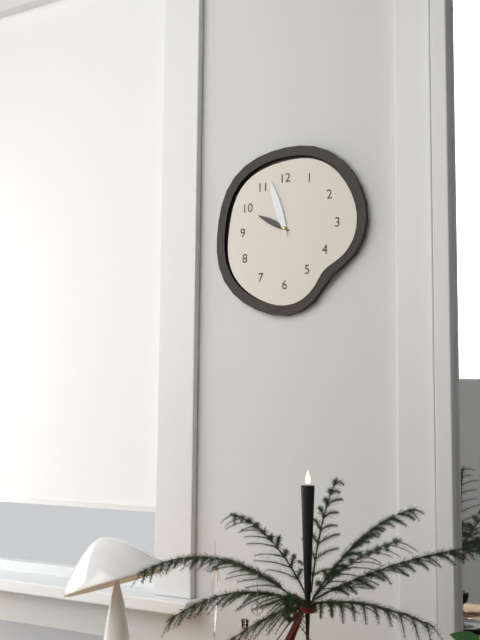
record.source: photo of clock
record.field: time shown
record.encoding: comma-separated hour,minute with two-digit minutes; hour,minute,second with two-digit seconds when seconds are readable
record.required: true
9,57
